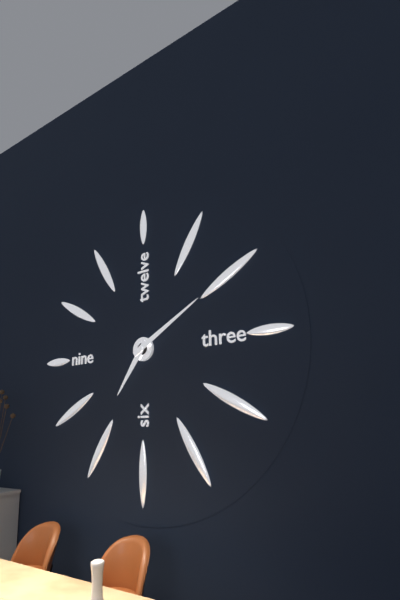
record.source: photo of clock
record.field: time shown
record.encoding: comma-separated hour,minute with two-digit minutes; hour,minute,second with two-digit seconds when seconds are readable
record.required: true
7,10
